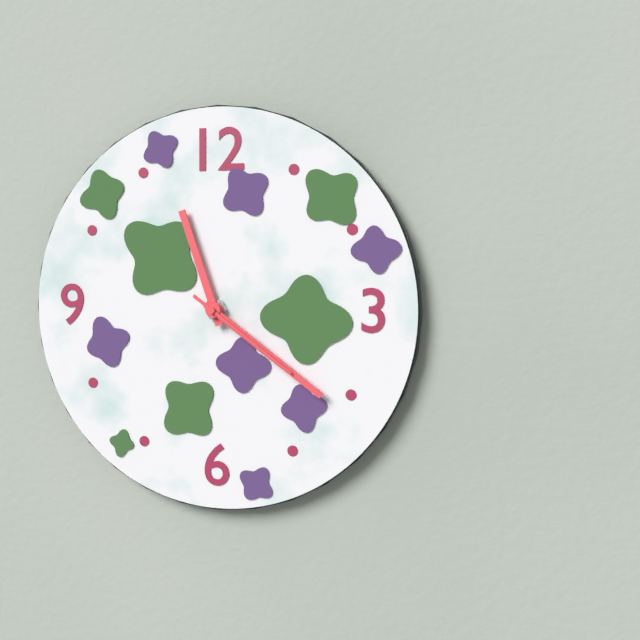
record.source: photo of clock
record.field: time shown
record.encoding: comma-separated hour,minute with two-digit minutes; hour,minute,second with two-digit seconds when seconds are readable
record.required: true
11,21,21
